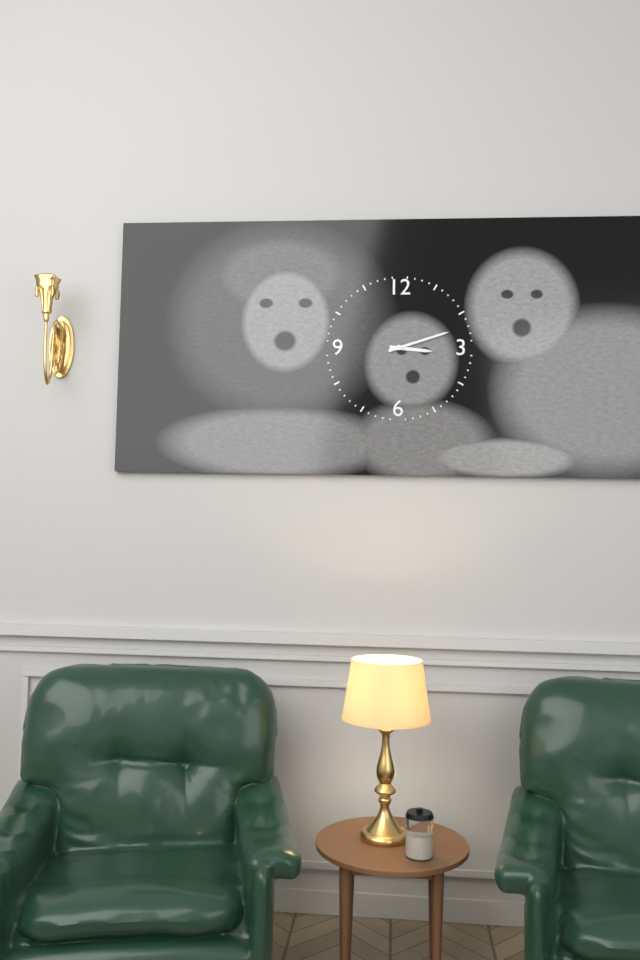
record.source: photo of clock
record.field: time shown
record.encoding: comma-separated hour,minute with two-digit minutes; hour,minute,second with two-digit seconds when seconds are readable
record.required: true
3,12
